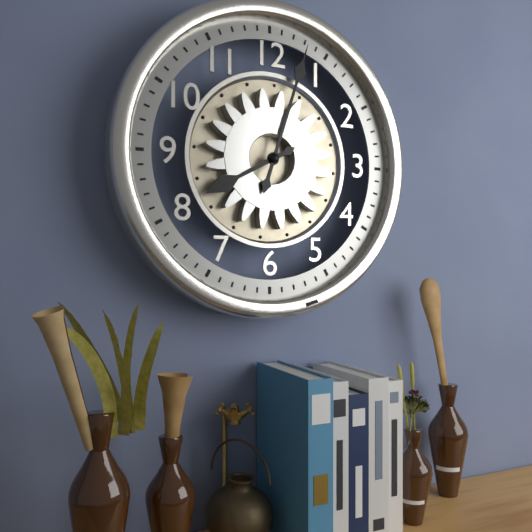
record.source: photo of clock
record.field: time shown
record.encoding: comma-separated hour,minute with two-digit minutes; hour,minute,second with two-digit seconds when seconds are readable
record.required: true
8,03
